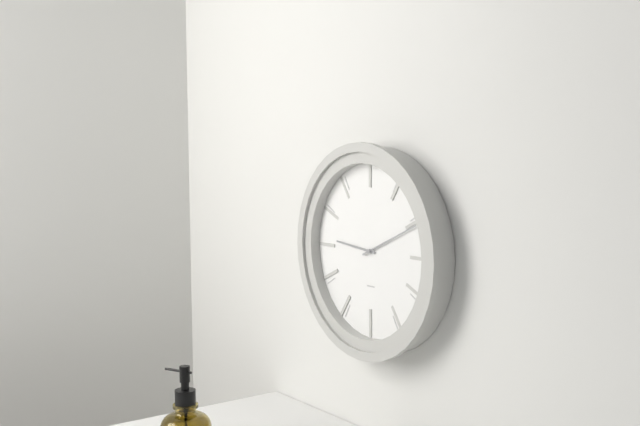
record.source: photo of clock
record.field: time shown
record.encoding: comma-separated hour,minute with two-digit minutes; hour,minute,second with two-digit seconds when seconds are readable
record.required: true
9,11
